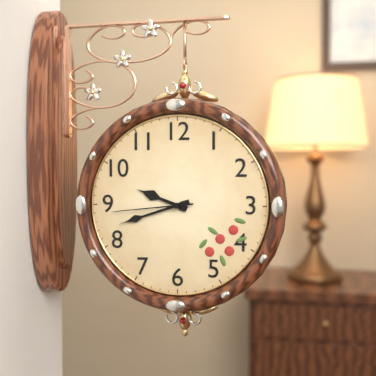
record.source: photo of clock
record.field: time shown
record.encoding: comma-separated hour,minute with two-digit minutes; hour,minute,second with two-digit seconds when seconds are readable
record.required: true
9,42,44
